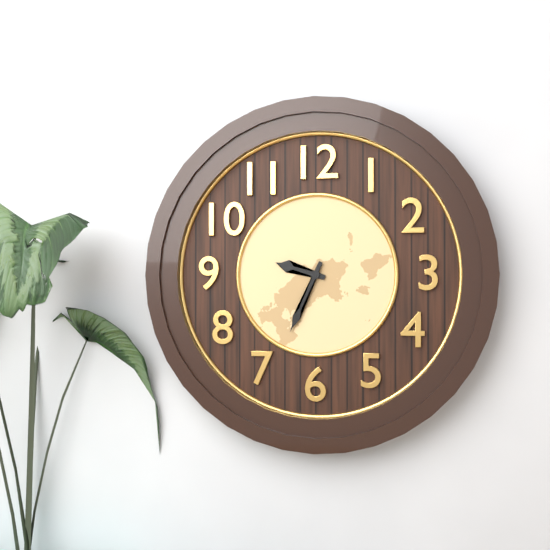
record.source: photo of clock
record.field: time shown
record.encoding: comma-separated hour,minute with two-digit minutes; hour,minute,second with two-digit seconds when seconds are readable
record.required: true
9,34
